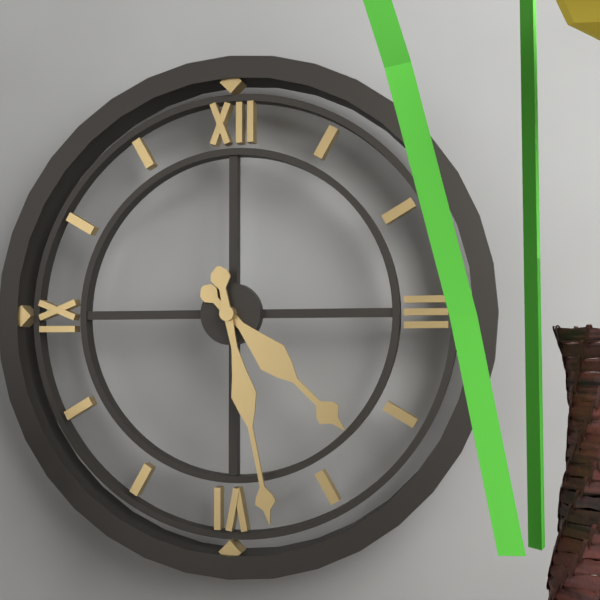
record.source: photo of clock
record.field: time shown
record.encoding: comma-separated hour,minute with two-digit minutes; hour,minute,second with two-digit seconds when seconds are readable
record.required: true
4,28
